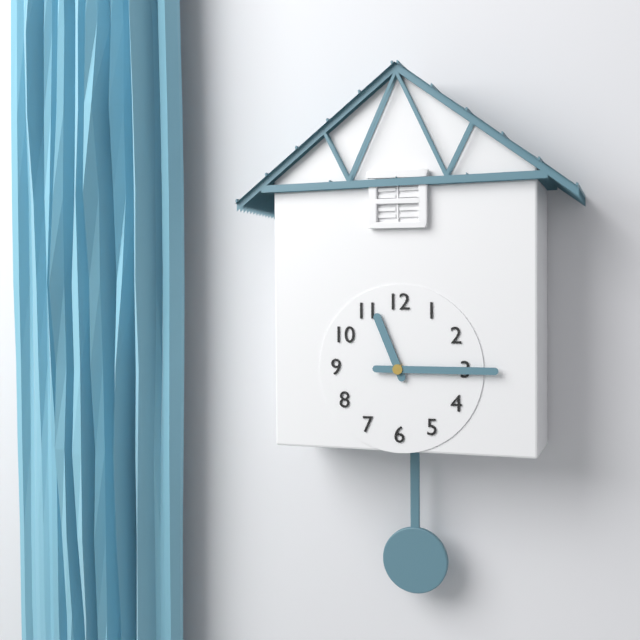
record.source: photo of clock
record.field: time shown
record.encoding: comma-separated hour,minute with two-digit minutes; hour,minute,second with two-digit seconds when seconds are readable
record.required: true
11,15
